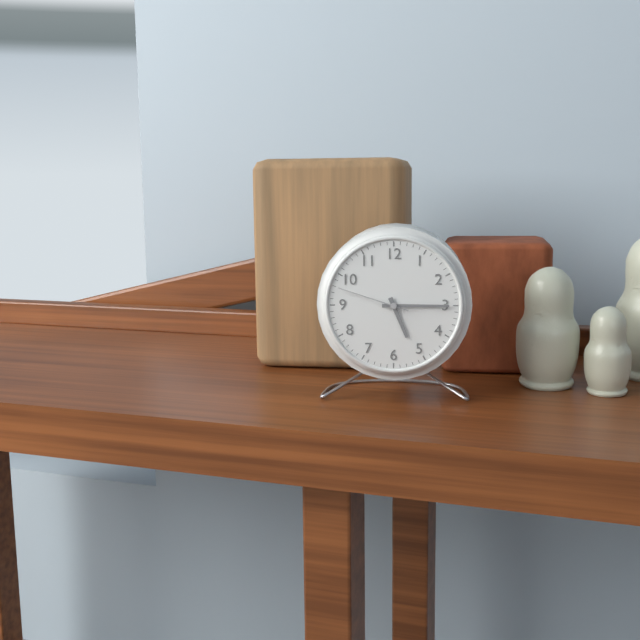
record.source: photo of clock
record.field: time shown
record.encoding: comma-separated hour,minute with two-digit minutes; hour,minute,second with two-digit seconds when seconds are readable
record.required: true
5,15,48
